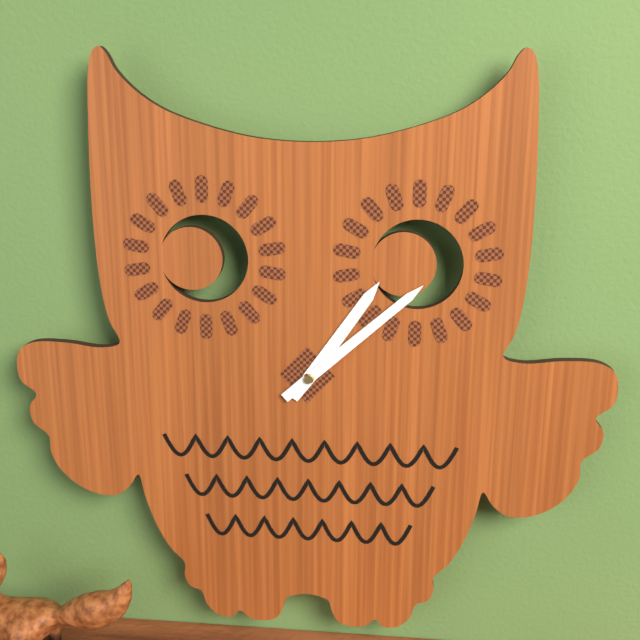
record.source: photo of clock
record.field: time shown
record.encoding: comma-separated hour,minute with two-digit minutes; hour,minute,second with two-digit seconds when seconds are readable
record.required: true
1,08
